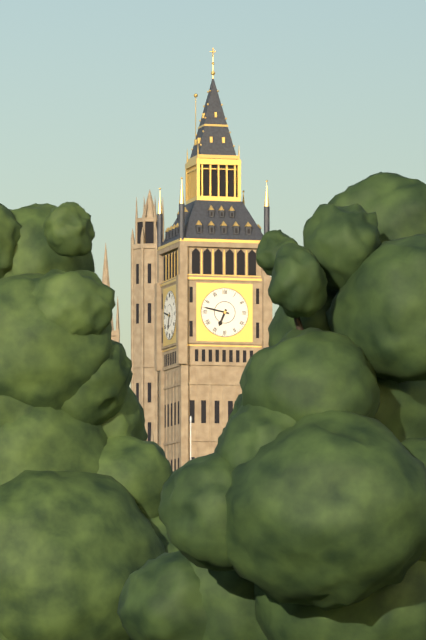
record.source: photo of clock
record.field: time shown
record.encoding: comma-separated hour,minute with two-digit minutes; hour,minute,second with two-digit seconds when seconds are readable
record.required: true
6,47
